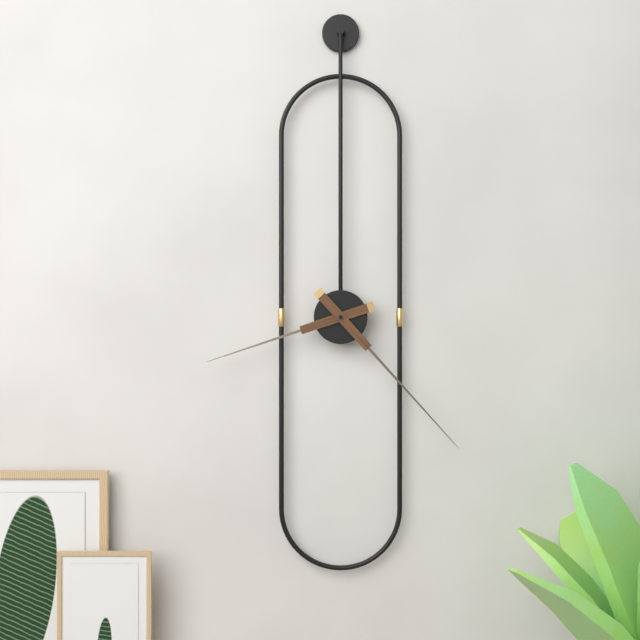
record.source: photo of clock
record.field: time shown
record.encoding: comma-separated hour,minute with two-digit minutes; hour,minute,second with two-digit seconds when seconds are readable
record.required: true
8,23
